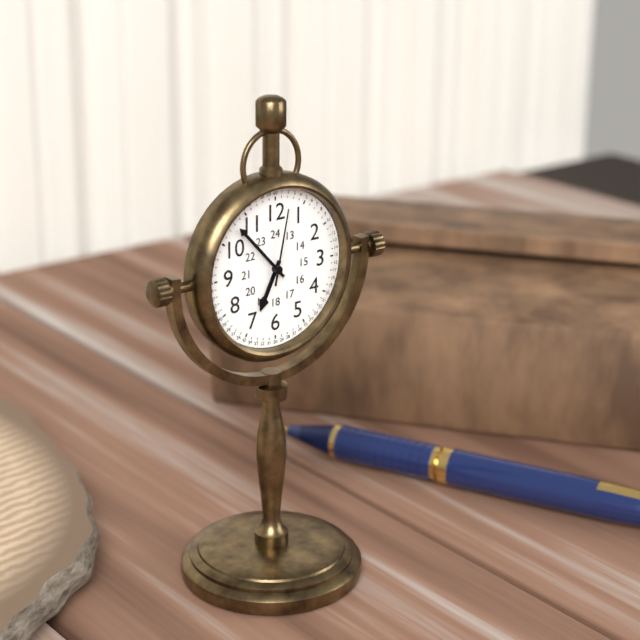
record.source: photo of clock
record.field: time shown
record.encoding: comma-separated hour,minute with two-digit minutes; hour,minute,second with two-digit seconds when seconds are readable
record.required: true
6,53,02
